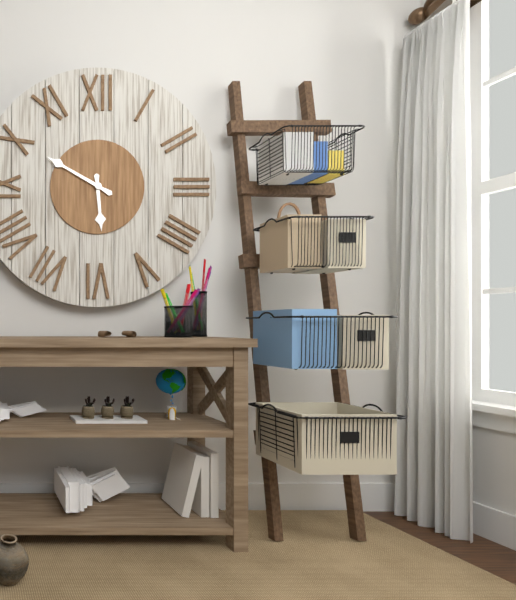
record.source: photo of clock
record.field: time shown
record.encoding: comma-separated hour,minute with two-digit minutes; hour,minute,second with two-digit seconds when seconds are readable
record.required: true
5,50
